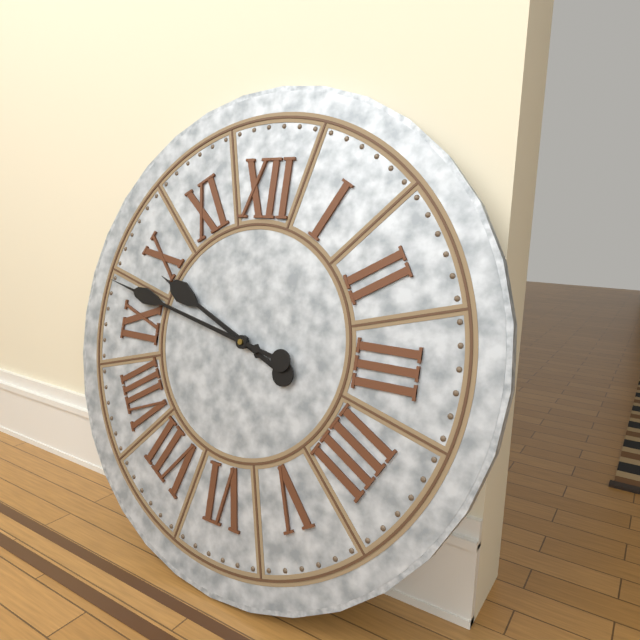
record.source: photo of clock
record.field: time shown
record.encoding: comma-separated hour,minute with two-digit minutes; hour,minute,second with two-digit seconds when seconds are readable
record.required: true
9,47
